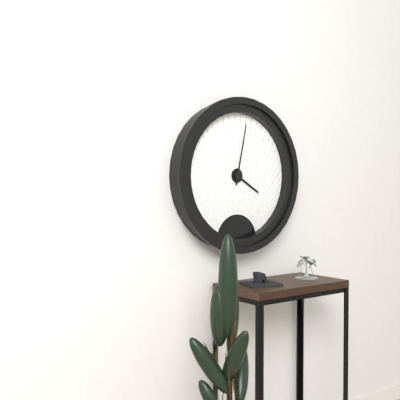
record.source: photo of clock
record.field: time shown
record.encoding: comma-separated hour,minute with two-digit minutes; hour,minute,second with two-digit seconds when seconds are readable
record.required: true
4,02
